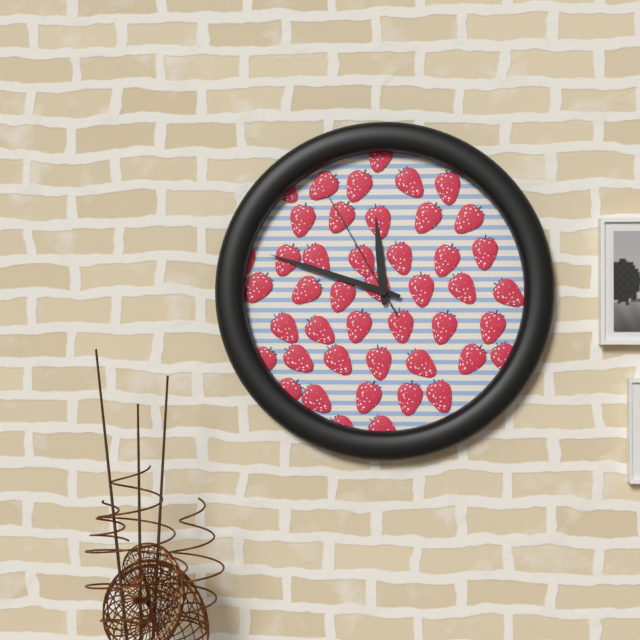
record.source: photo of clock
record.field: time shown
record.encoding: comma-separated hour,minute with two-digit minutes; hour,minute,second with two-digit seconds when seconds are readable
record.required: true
11,48,55
